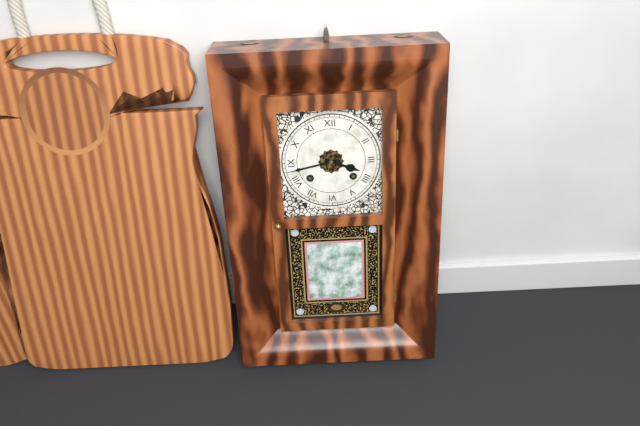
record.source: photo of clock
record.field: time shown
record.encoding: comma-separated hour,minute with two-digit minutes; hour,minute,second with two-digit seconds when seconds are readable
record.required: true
3,43
